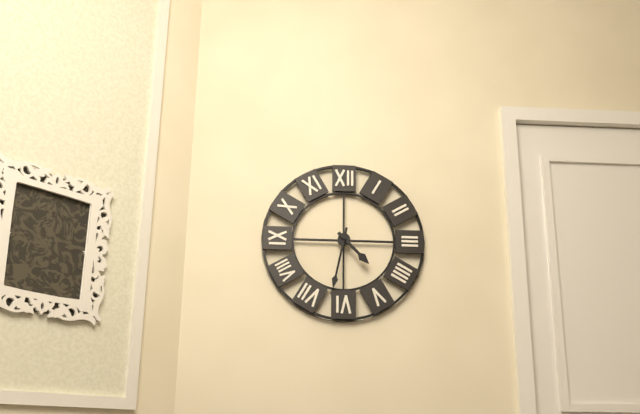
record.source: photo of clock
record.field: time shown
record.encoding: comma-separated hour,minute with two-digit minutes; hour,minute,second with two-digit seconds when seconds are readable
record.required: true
4,32
